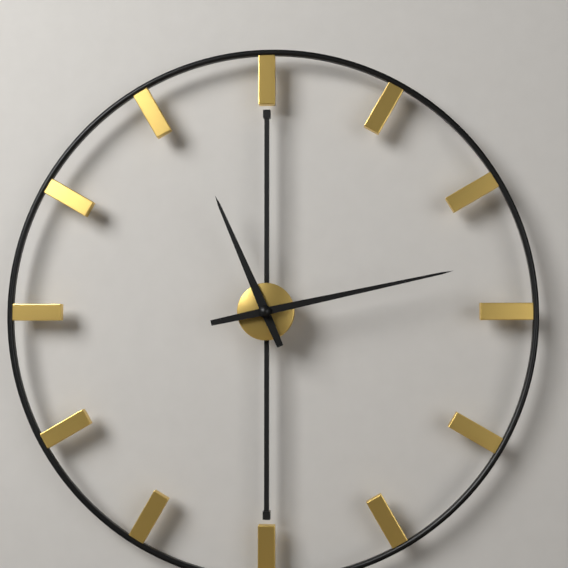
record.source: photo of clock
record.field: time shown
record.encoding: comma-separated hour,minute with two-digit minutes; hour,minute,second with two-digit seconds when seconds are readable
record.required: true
11,13
